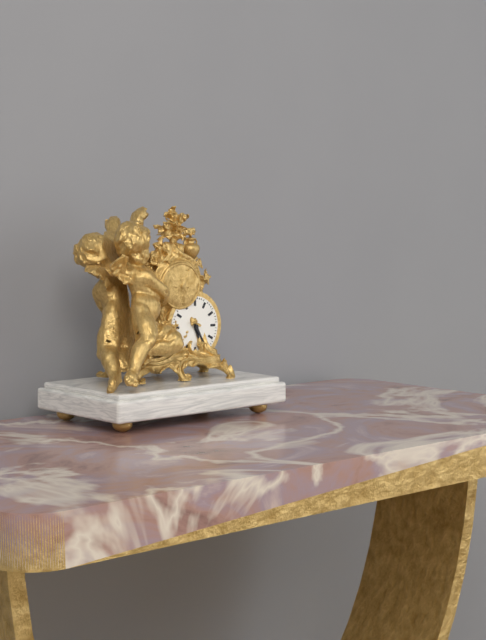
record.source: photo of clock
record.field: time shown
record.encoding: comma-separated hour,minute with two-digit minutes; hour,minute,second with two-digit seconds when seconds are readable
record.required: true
5,25
